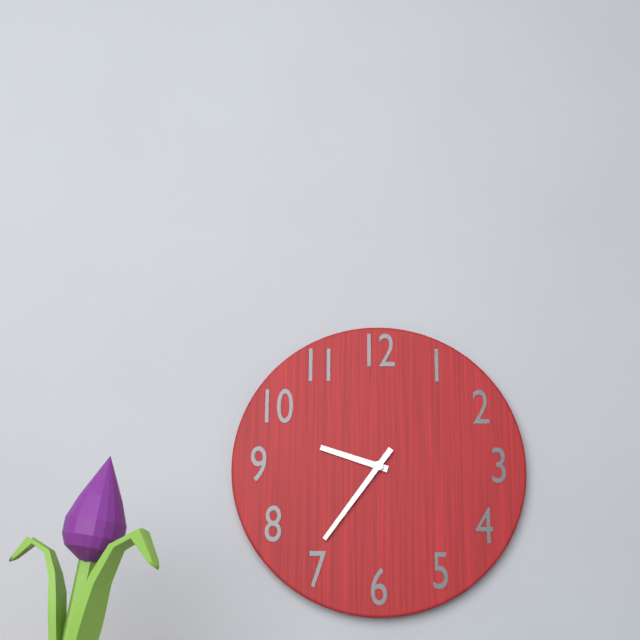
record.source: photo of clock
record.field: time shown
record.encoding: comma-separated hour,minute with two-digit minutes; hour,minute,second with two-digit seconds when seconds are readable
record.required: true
9,36
